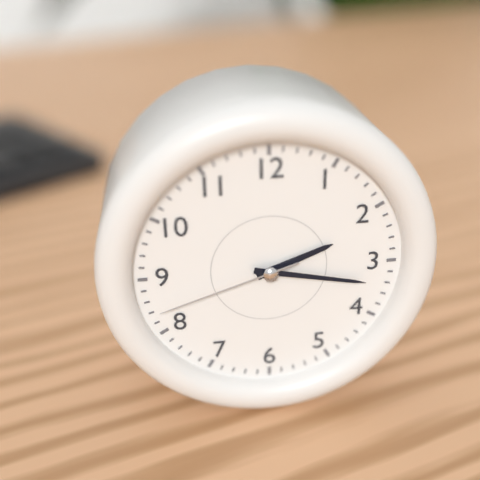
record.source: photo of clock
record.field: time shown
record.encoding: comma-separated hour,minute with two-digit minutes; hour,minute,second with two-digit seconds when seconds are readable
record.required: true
2,17,42
